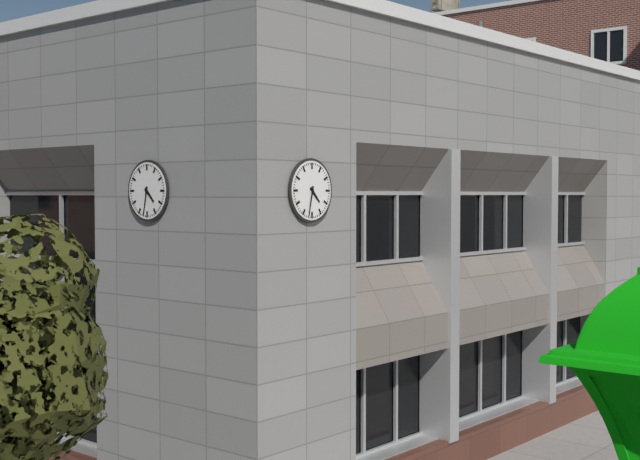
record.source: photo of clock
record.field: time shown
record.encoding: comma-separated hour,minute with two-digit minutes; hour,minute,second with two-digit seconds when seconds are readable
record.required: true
4,32
